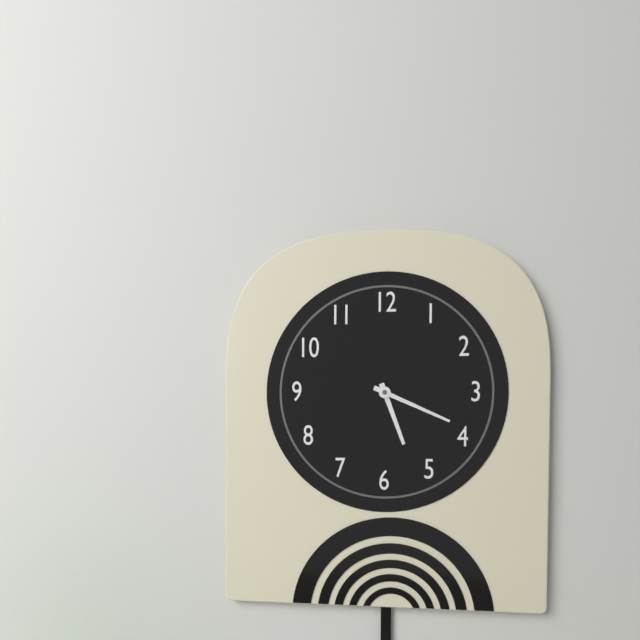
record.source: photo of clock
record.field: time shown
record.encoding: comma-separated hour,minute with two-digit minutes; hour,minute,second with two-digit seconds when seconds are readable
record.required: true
5,19
